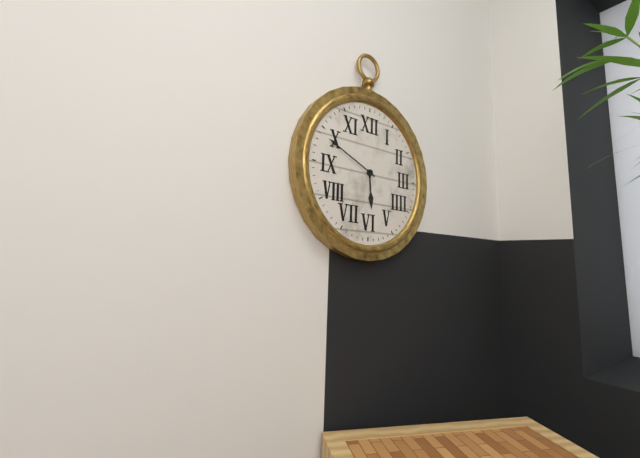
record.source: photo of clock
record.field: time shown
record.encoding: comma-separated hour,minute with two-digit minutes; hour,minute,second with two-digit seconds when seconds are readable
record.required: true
5,49
